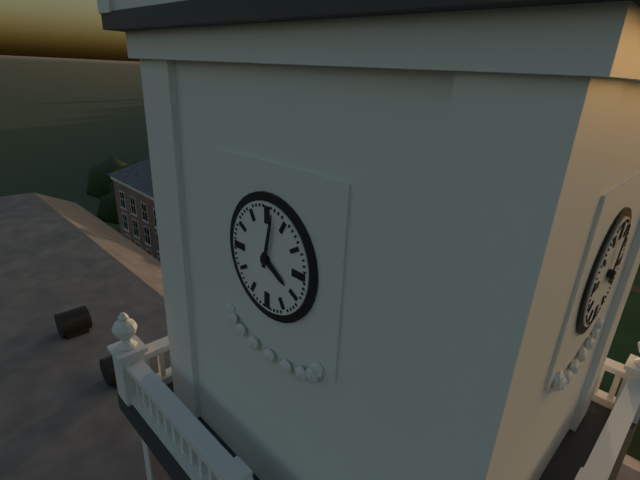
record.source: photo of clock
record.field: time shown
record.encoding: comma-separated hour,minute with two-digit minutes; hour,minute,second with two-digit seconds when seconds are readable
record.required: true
4,02
